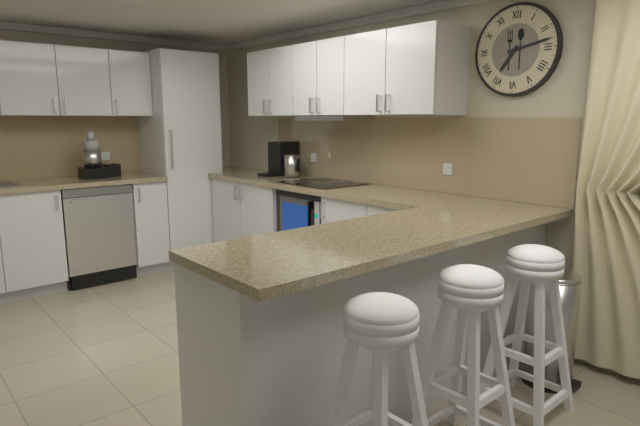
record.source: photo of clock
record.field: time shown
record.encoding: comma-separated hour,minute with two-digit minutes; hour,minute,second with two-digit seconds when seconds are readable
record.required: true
7,13
